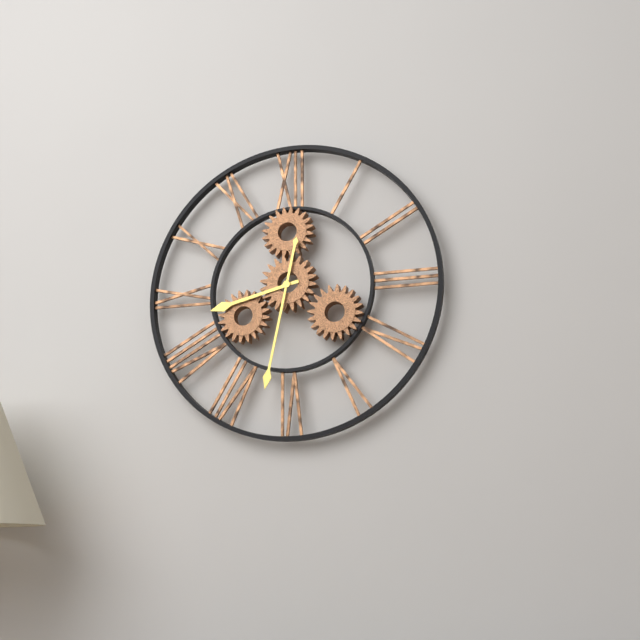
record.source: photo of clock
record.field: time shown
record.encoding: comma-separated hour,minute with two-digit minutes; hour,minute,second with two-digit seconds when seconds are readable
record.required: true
8,32
